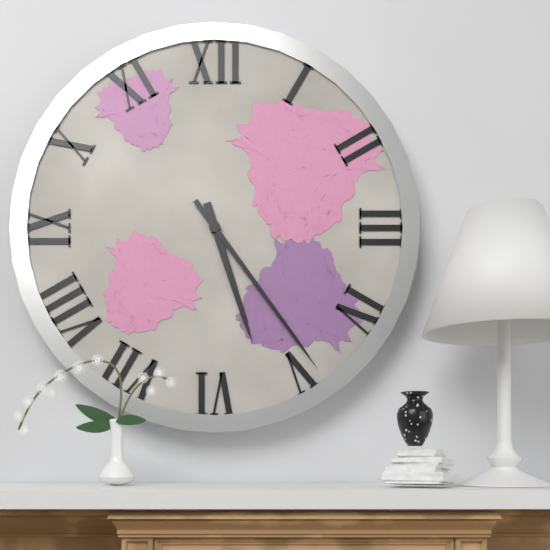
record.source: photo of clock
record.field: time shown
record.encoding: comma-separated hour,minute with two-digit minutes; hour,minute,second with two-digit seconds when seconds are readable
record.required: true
5,24
